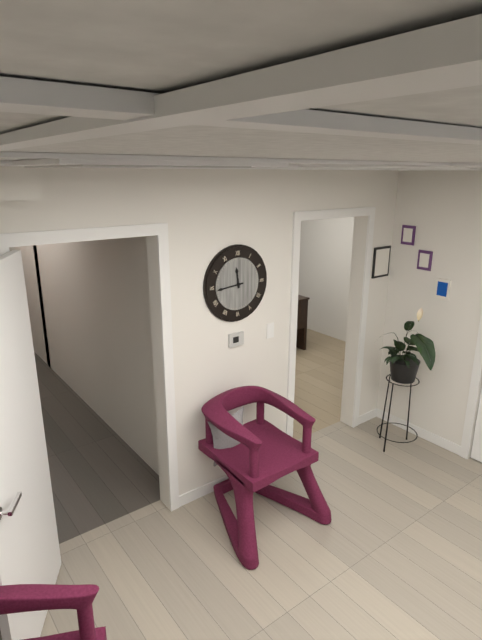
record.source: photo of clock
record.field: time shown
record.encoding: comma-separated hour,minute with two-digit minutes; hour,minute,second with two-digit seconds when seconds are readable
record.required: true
11,44
